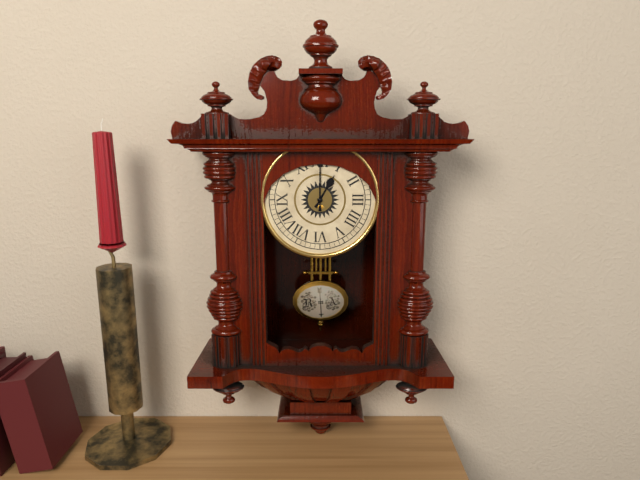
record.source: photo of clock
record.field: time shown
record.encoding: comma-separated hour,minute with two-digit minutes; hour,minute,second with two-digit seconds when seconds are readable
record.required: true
1,00
